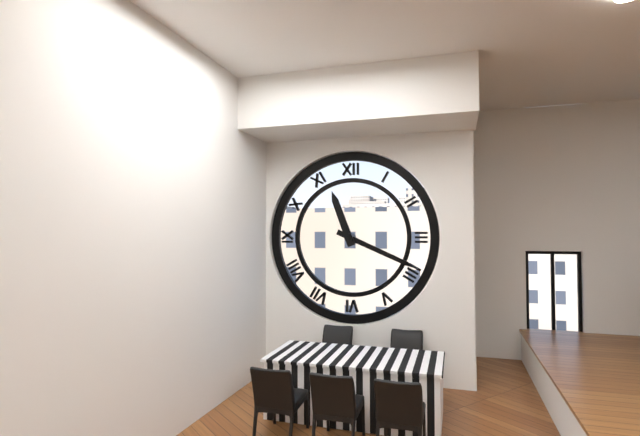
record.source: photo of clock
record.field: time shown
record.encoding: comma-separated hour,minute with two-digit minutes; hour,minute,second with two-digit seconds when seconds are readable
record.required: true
11,19
